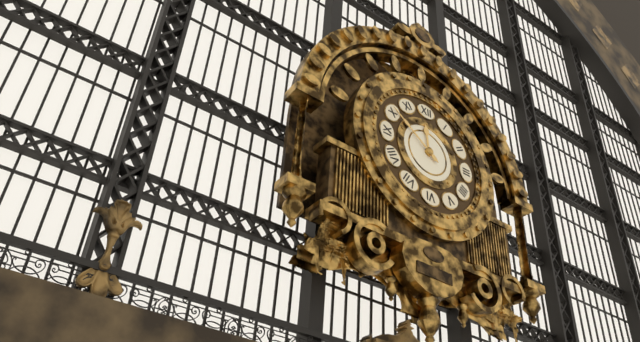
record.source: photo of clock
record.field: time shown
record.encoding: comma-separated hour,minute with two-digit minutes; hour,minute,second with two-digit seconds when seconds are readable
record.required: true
11,51
